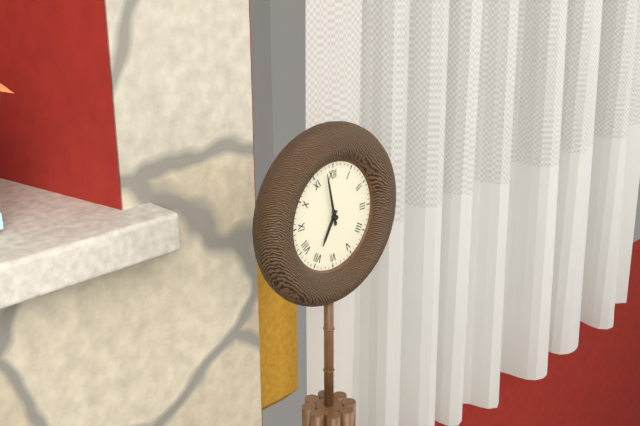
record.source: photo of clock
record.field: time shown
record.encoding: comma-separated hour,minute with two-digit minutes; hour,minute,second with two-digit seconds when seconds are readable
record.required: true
6,58
